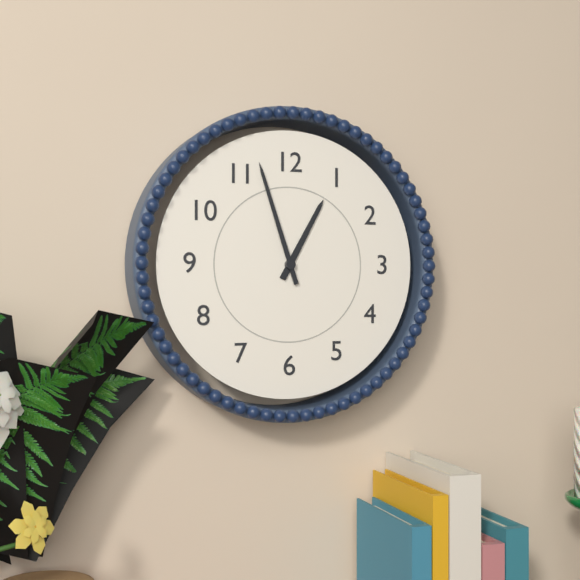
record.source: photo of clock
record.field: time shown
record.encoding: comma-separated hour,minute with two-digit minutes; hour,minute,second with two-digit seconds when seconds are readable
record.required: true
12,57
